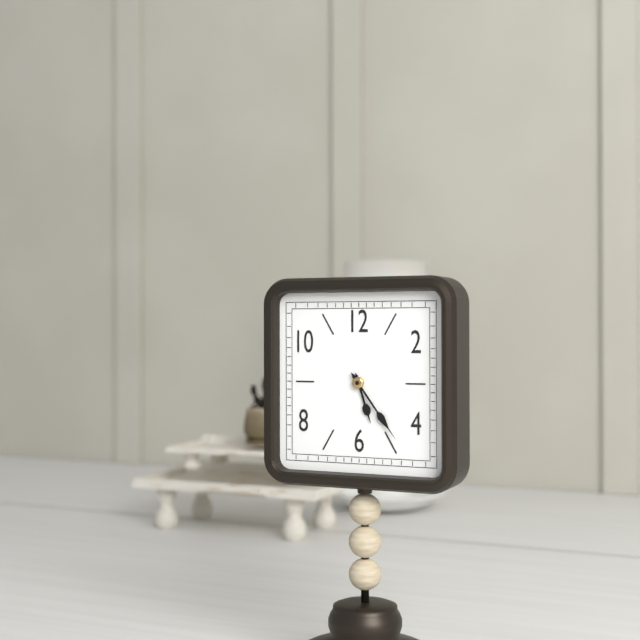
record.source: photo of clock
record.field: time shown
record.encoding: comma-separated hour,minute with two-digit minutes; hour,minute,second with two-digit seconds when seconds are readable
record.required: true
5,24
